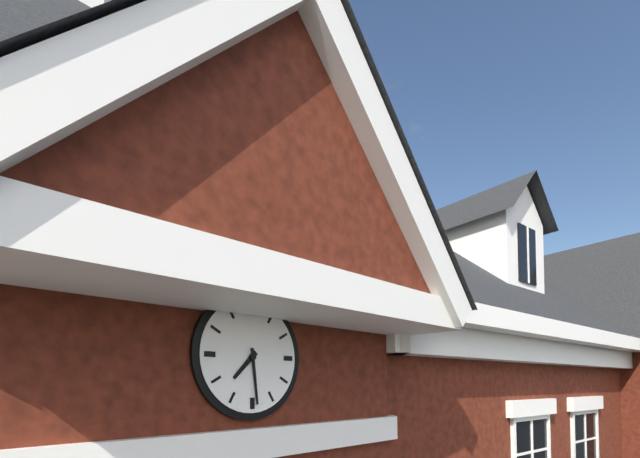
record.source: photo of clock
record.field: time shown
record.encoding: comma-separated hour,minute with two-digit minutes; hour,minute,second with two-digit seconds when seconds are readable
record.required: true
7,29
